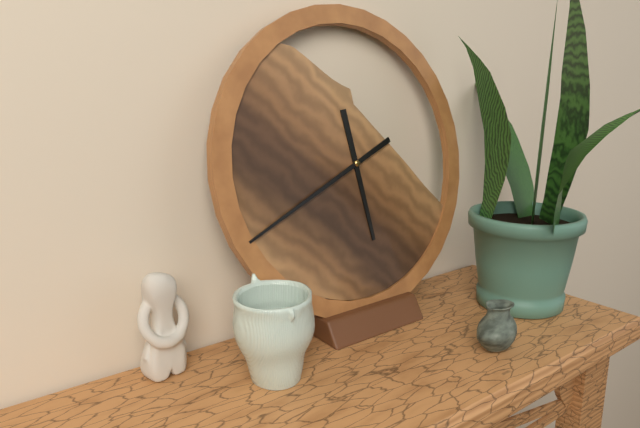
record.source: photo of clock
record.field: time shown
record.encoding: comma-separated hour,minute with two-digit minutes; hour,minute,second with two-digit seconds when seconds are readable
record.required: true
5,41
